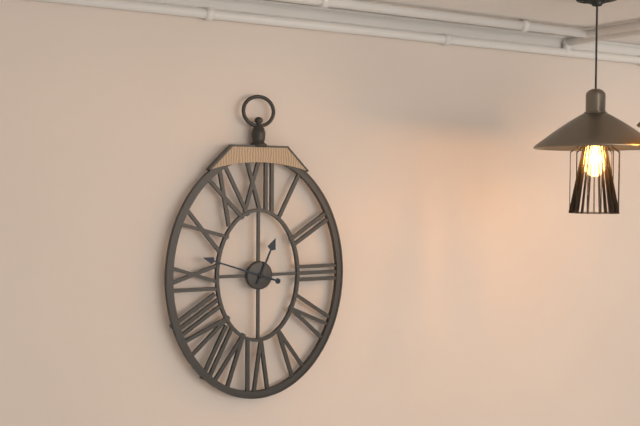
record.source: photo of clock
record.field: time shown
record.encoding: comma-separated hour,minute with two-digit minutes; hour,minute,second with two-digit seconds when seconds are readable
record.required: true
12,48
